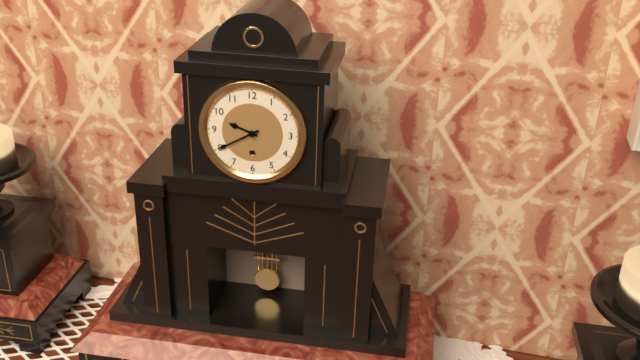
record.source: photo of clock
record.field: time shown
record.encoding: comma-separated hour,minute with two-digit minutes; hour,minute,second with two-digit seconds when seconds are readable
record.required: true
9,40
